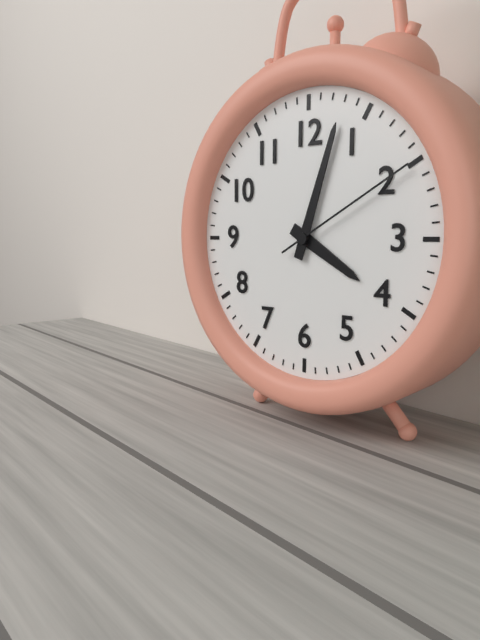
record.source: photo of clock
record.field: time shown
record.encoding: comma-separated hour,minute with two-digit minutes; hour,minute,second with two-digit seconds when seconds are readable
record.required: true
4,03,10
